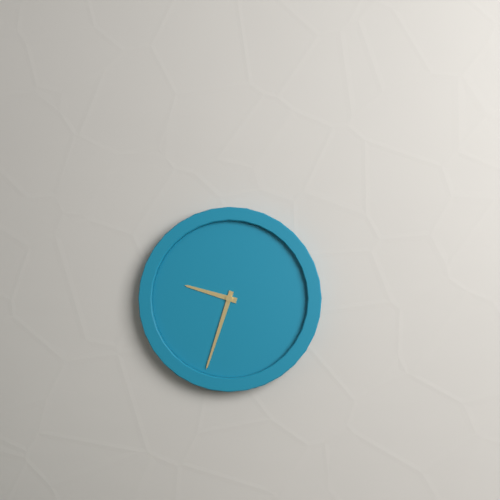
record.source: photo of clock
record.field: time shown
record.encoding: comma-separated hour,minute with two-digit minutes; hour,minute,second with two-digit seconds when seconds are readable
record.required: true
9,33
